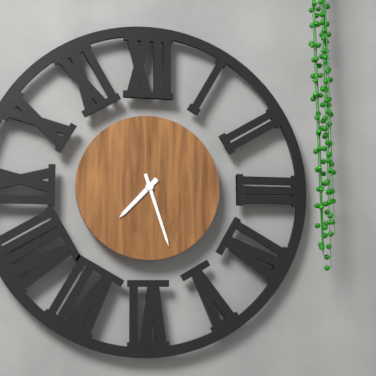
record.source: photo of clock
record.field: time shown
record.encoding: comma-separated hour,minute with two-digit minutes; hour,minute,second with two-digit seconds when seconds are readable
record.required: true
7,27
